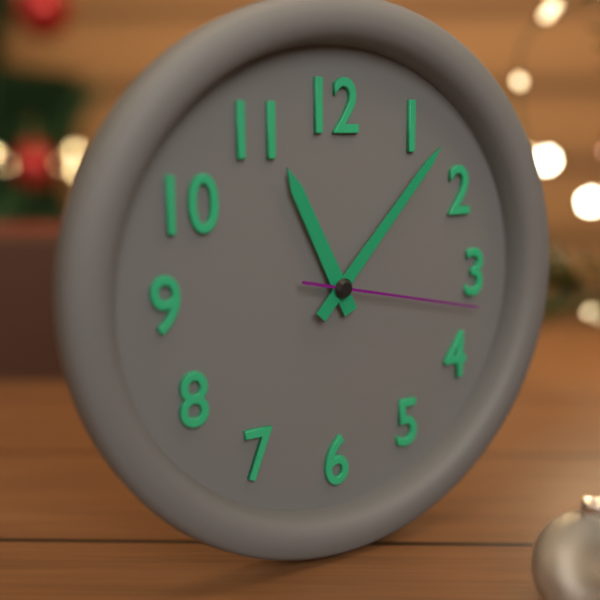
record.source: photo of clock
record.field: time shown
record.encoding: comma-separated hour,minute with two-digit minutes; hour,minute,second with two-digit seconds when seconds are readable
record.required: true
11,07,17
